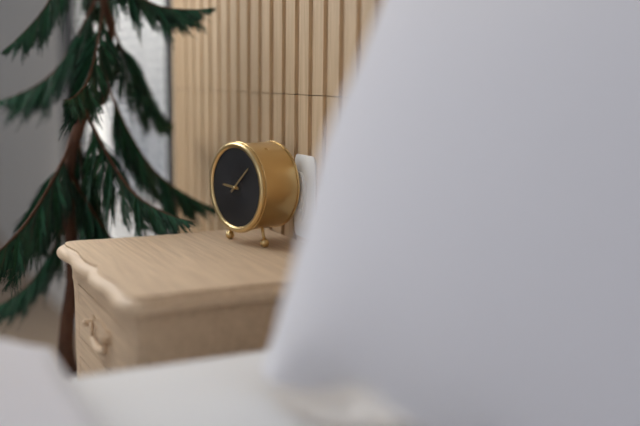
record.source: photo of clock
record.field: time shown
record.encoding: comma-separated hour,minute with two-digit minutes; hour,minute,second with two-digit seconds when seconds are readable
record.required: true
9,08
